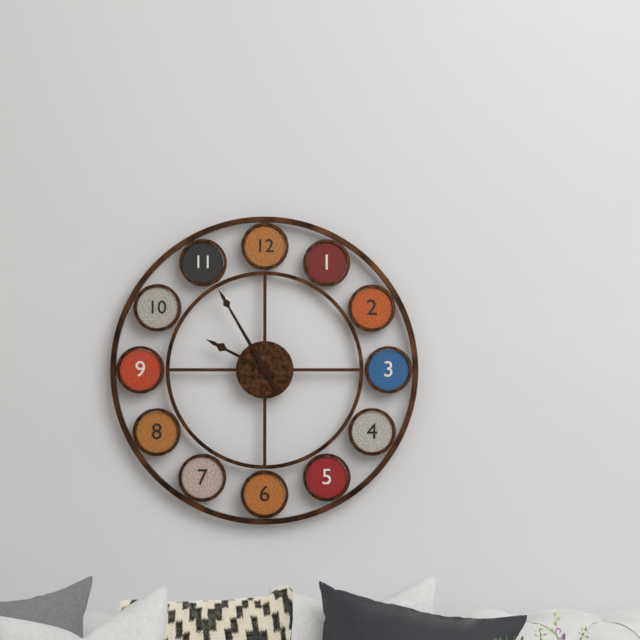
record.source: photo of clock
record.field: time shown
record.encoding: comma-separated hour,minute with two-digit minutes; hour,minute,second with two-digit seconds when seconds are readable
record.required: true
9,55
